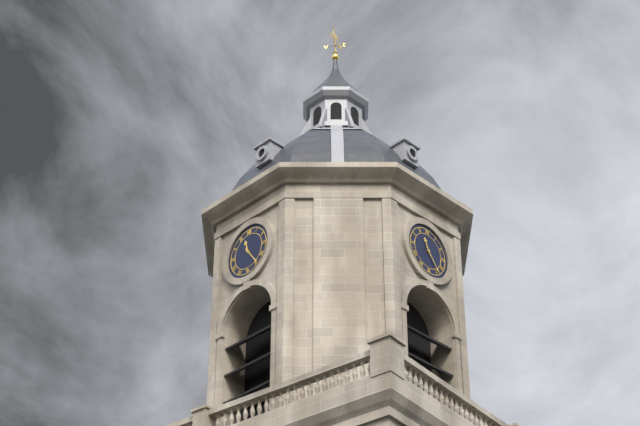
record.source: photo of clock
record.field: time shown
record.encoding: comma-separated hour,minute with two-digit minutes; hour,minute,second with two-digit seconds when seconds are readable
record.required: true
11,24
